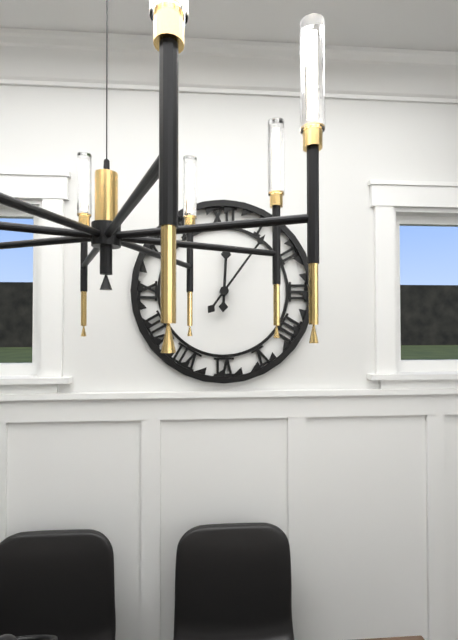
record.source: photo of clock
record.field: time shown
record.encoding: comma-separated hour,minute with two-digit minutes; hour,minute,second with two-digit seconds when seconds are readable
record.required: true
12,06
